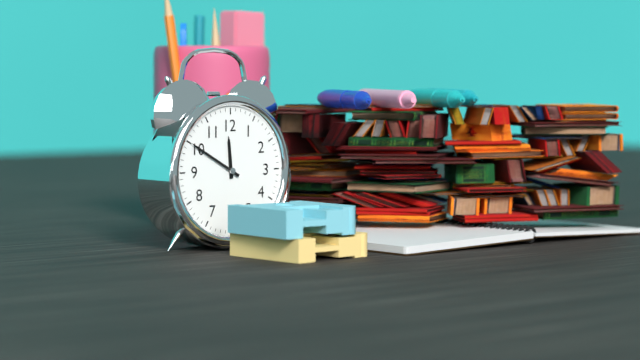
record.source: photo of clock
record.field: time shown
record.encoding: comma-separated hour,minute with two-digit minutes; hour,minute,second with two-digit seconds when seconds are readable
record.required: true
11,50
